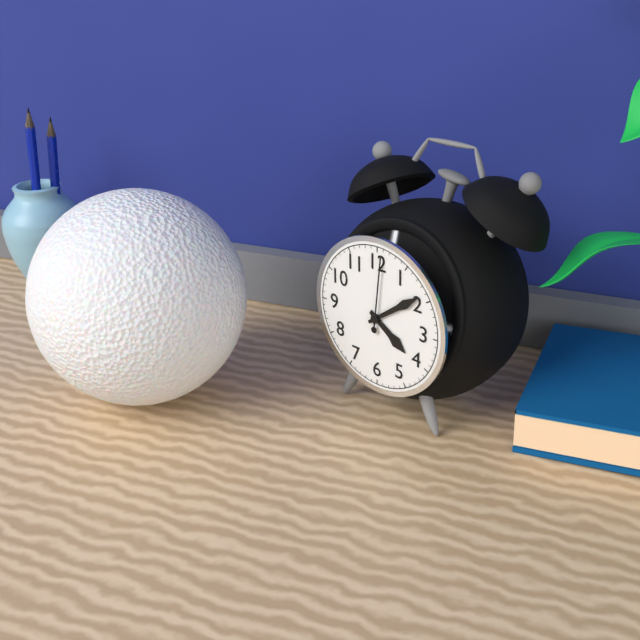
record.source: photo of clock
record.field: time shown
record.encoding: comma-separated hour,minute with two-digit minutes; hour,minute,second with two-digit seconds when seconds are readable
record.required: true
4,09,01
